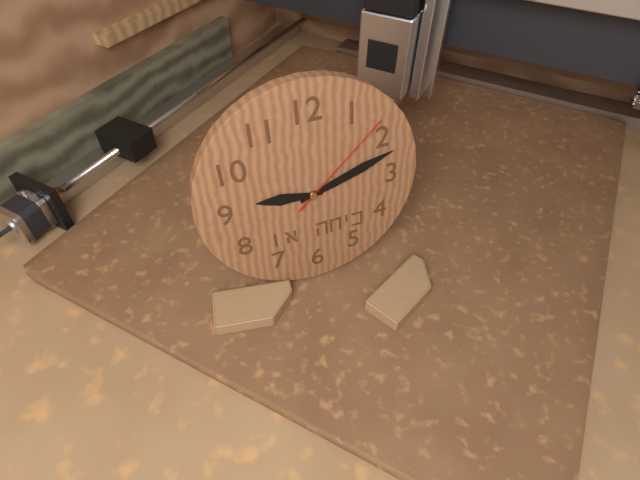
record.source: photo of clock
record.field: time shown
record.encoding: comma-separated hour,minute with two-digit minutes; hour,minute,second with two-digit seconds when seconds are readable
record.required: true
9,12,08
